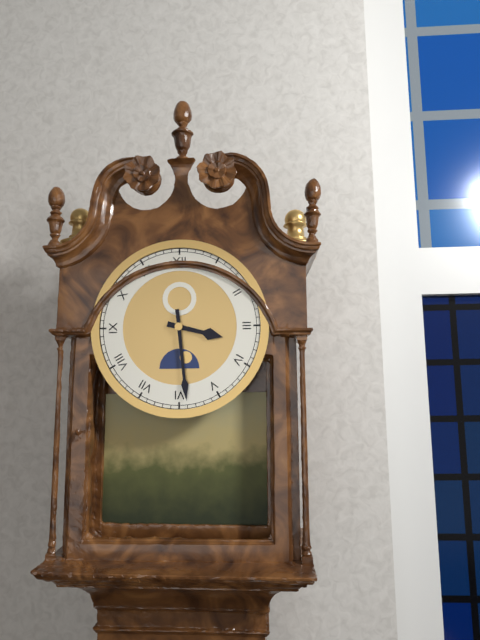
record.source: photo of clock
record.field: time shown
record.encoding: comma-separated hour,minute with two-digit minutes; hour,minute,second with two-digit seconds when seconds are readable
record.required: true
3,29
